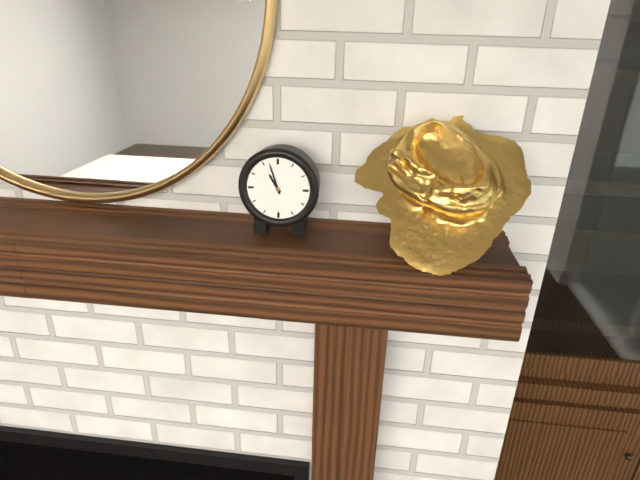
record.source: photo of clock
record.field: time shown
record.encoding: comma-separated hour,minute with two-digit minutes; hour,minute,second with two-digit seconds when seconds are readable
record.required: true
10,57
